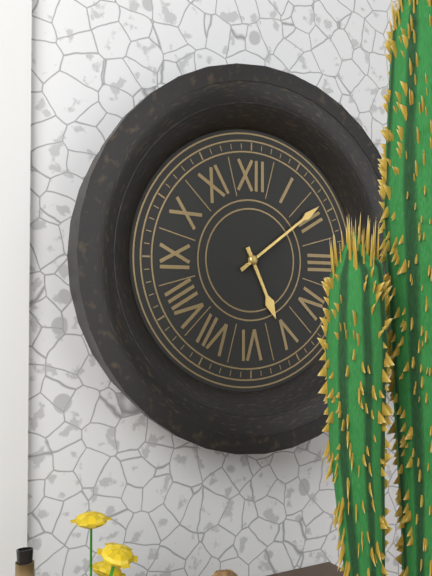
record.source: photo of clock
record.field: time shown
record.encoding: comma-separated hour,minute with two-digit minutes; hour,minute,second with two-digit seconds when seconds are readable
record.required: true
5,09
